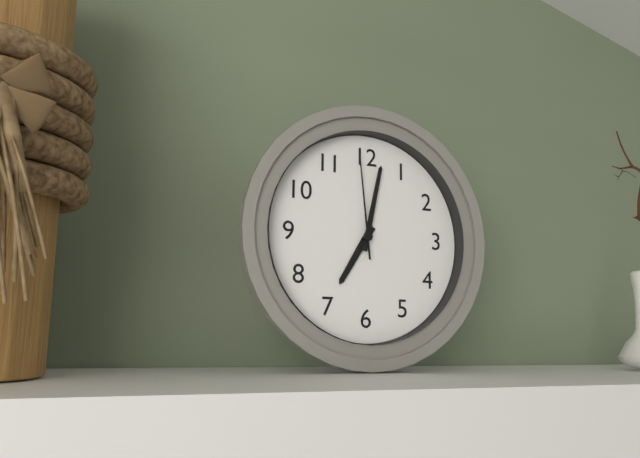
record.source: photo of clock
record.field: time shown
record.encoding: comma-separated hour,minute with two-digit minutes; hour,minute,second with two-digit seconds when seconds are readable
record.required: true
7,02,59
